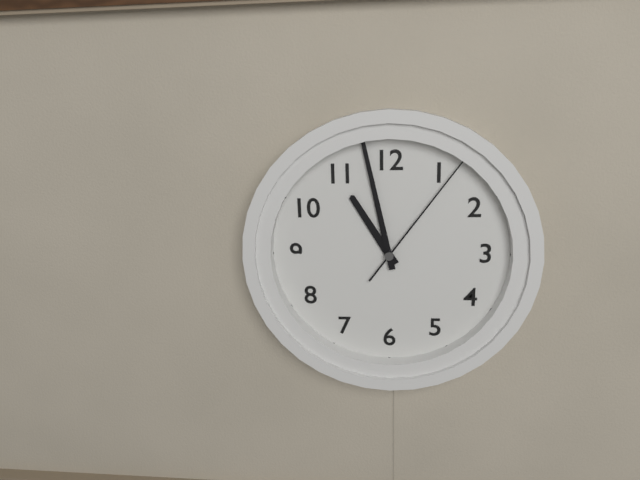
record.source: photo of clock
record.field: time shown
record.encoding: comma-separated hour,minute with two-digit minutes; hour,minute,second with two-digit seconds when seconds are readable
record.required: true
10,58,06
